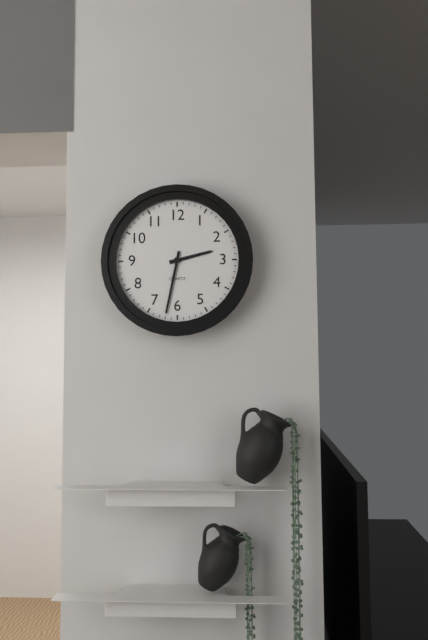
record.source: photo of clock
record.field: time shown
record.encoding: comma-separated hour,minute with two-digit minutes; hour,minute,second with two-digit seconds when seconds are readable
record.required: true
2,32
